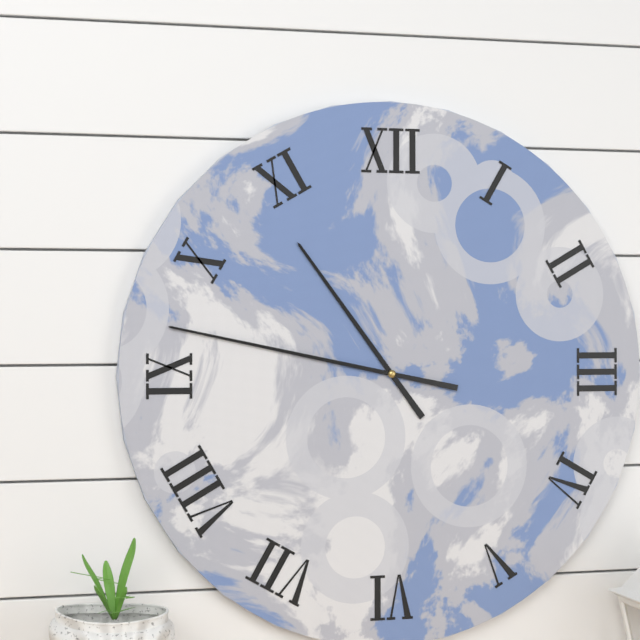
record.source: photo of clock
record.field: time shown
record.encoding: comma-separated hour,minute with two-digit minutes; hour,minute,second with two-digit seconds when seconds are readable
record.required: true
10,47
